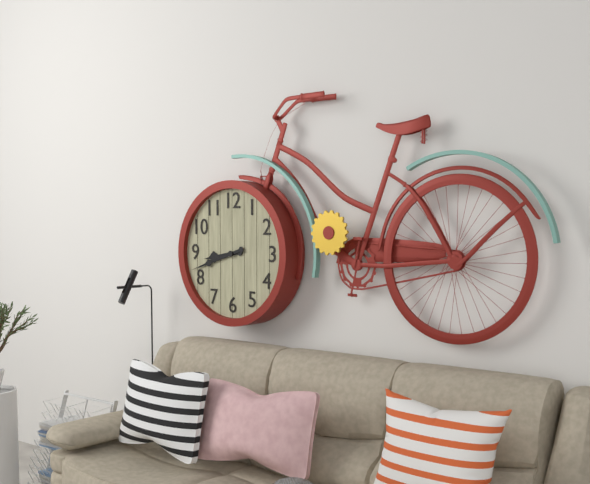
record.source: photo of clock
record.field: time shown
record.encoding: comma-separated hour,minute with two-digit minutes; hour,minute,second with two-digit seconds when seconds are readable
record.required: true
8,42
